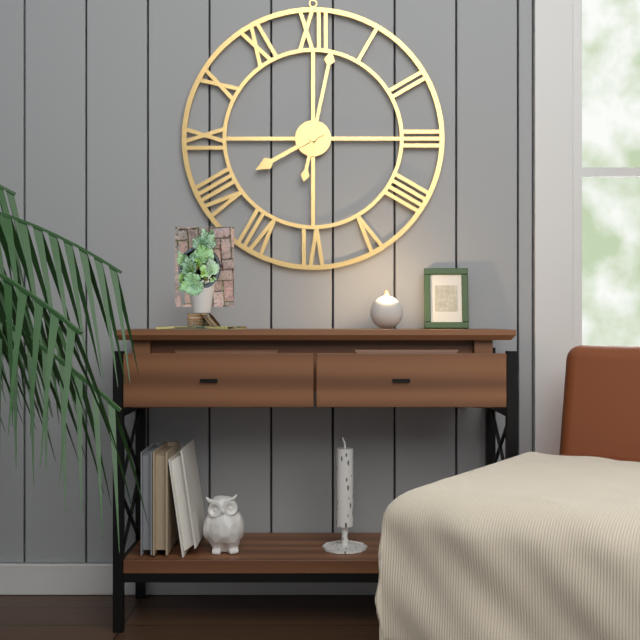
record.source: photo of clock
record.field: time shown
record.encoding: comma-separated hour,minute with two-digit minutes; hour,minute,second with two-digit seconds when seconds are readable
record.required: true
8,02
